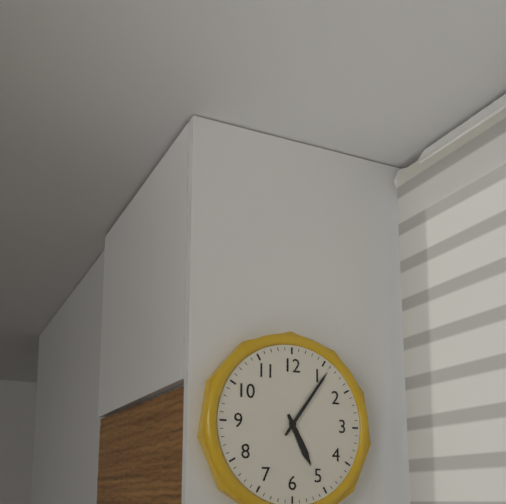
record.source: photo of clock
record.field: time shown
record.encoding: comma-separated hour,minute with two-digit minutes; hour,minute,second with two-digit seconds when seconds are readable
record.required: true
5,06
